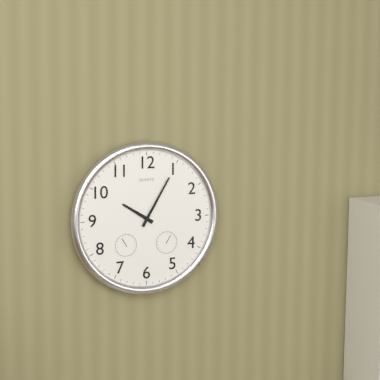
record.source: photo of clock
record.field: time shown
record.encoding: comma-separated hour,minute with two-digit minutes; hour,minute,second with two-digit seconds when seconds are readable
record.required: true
10,05
